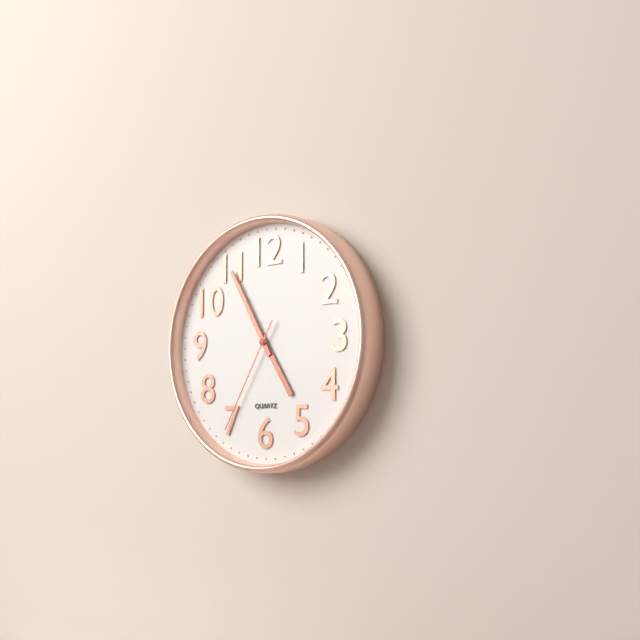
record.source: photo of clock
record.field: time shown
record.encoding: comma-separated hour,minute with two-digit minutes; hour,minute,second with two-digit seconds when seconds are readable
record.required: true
4,55,35
